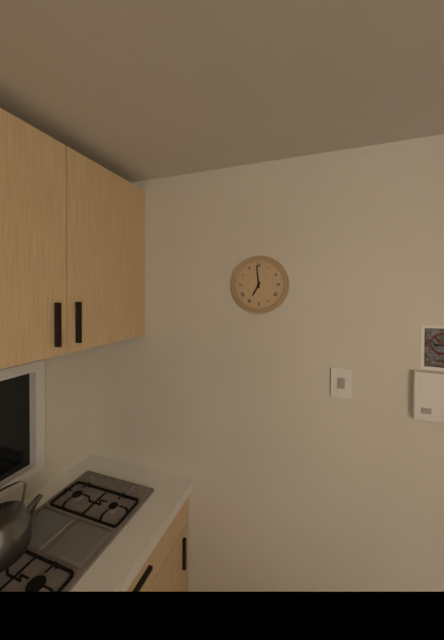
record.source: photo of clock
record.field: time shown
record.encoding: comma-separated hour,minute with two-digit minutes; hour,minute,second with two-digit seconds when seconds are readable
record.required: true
6,59
